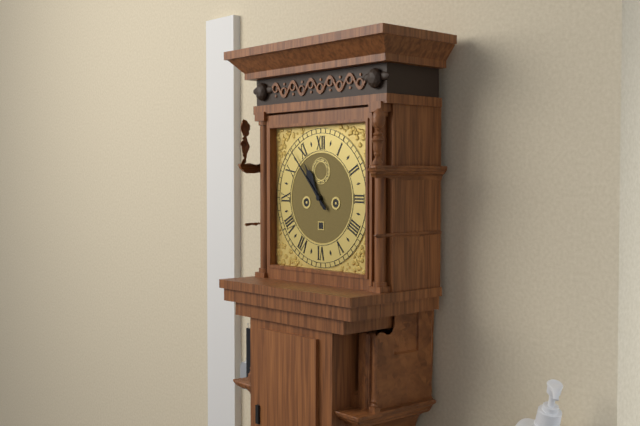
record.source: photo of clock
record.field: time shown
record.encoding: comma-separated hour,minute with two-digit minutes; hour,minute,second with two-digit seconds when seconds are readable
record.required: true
10,53
